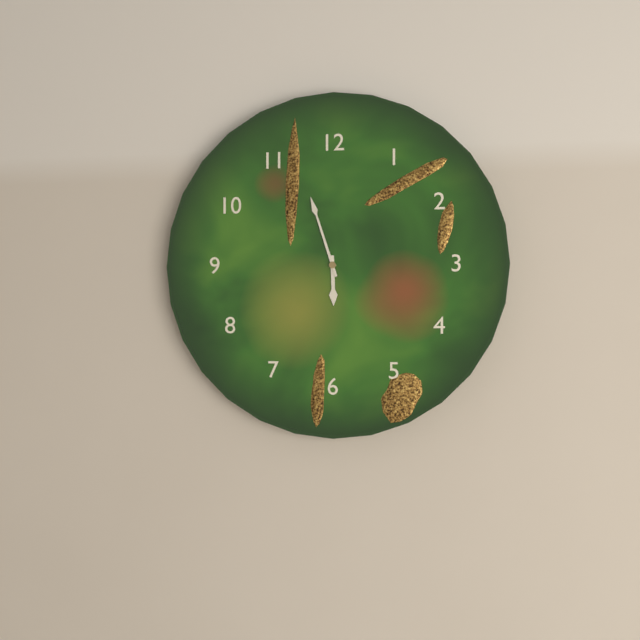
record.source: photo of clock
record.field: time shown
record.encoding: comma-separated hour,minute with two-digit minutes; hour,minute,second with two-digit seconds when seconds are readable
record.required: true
5,57
